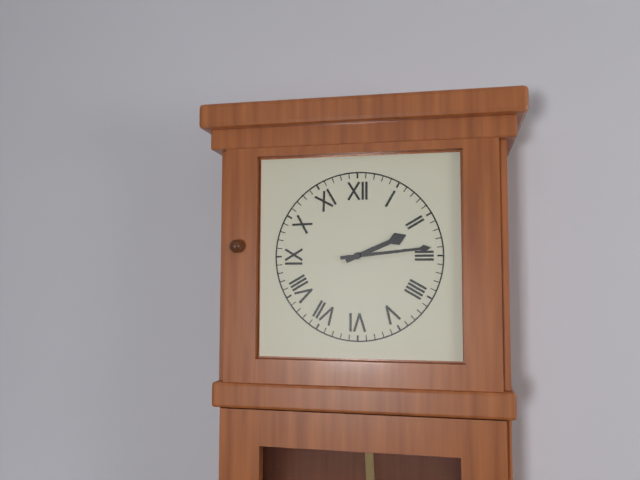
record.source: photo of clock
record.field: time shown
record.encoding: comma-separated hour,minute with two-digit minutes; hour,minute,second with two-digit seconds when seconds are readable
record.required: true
2,14
